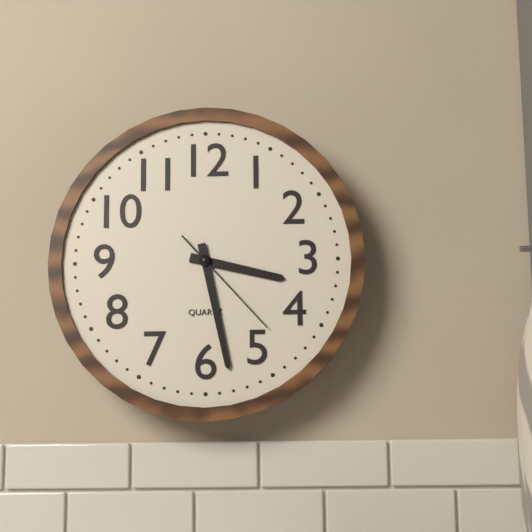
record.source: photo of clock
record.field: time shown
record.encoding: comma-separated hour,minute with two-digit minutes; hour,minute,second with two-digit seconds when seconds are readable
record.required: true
3,28,23
